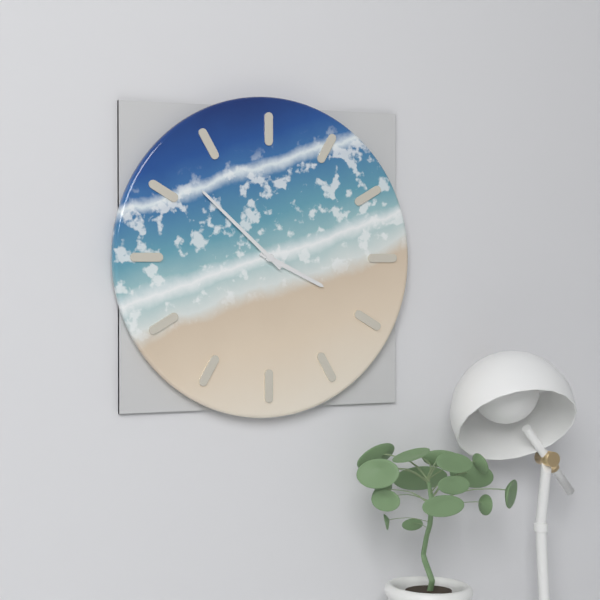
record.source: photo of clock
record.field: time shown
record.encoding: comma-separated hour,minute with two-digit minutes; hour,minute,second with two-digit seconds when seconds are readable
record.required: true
3,52
